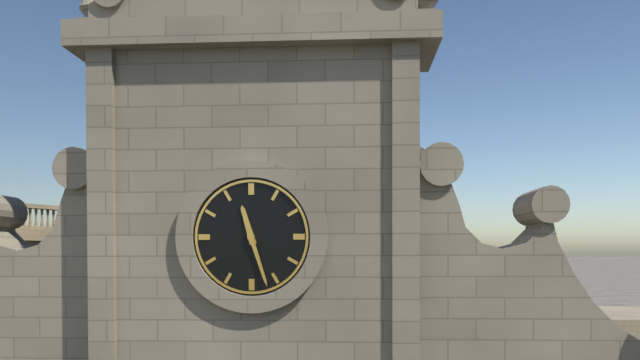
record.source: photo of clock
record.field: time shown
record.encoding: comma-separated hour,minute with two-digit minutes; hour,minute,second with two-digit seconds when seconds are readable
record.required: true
11,27
